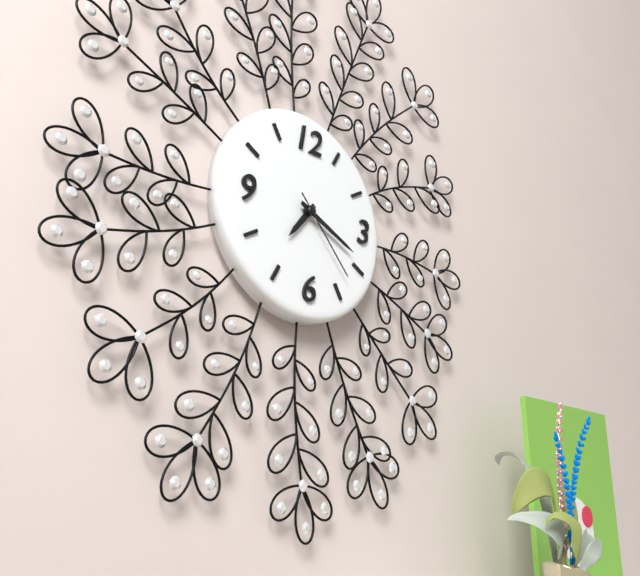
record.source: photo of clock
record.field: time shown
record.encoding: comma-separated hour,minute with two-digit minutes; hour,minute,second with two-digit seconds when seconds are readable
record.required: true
7,19,23
